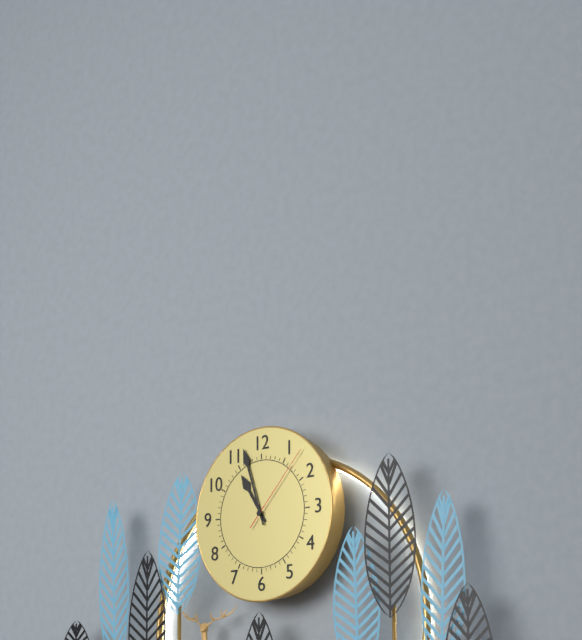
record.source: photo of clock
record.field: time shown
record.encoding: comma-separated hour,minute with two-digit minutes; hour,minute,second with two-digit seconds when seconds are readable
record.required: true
10,57,07
